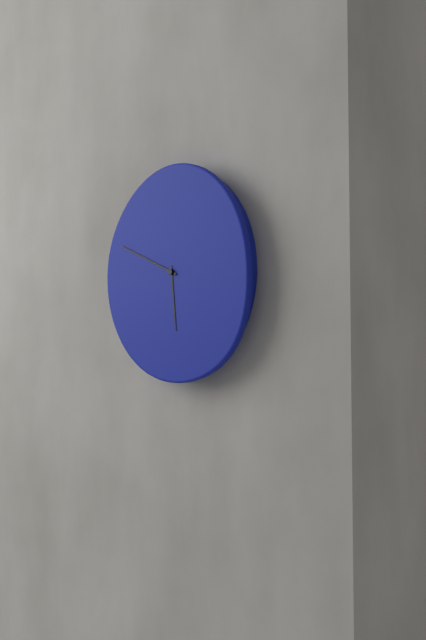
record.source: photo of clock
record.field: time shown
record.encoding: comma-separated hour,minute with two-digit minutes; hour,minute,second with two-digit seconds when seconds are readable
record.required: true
5,49
